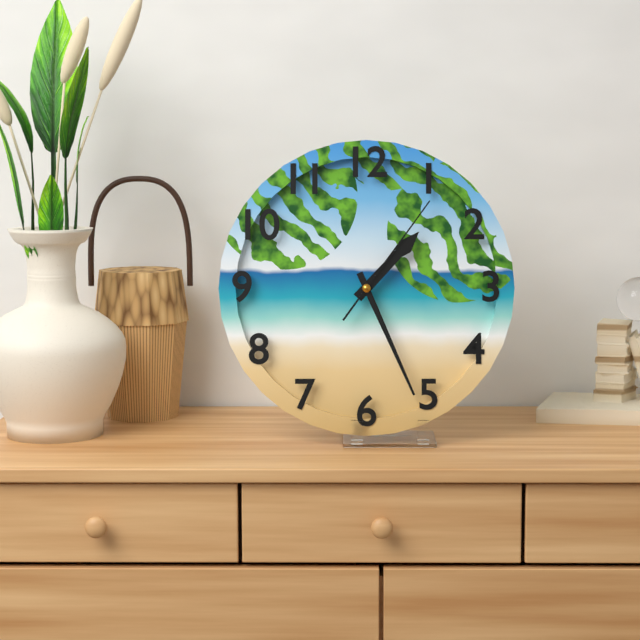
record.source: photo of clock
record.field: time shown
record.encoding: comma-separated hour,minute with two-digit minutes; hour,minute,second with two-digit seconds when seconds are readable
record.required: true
1,26,06
